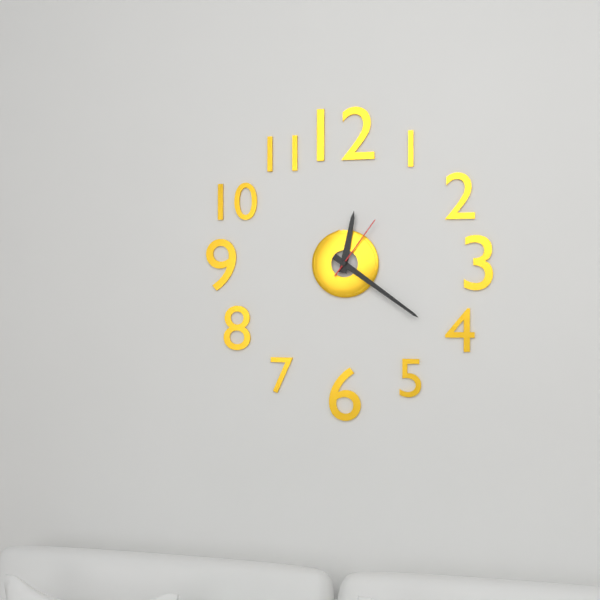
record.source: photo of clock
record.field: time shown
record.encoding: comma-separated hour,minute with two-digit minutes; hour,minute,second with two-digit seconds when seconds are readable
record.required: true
12,21,06
